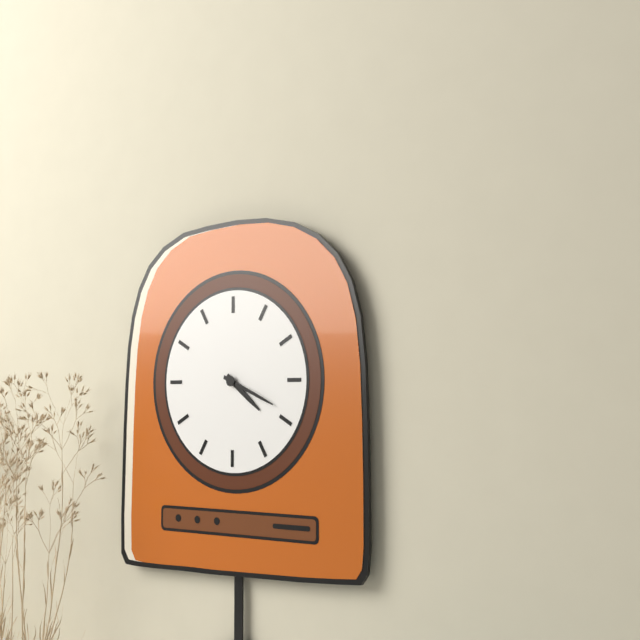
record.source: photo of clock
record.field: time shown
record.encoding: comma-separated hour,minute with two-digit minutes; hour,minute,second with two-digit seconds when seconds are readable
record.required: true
4,19
